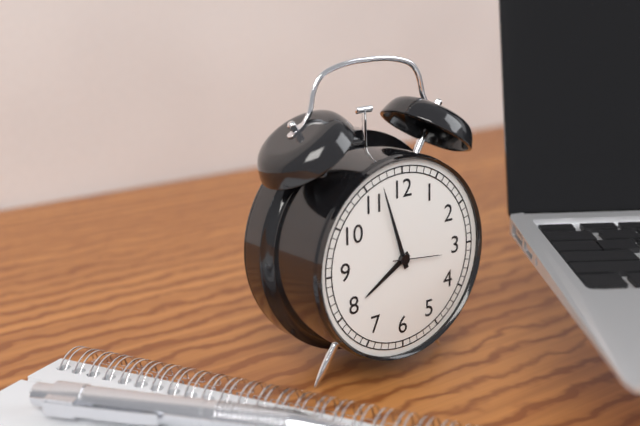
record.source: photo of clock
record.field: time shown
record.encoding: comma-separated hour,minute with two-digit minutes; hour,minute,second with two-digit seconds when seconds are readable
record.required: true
7,57,16
